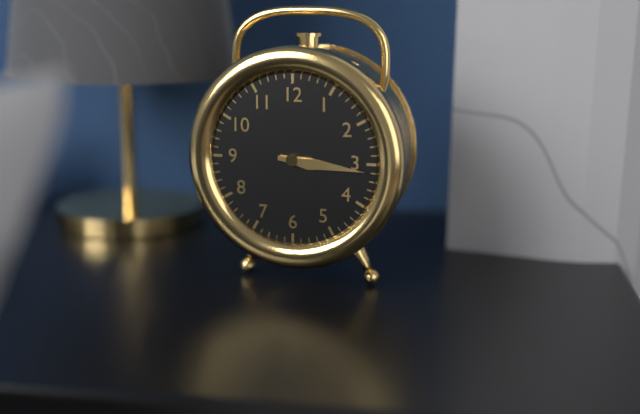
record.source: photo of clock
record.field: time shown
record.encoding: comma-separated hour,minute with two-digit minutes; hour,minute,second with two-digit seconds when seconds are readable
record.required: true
3,16
